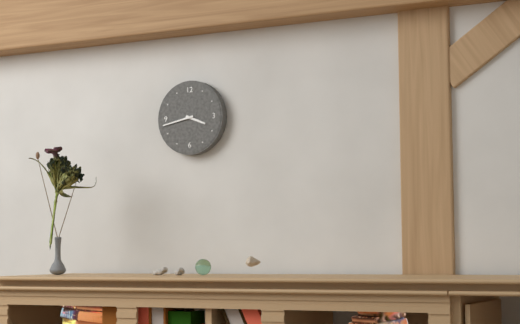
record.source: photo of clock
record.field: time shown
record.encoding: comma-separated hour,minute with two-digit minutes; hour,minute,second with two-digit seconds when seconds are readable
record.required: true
3,43
